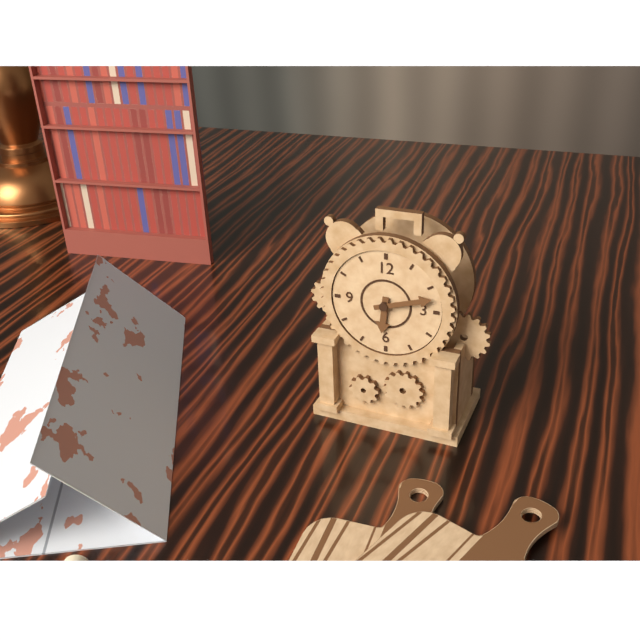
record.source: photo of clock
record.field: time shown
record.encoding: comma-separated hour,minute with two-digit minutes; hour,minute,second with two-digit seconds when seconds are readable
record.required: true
6,12
